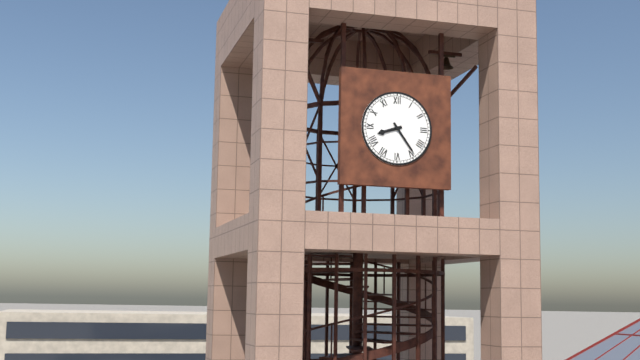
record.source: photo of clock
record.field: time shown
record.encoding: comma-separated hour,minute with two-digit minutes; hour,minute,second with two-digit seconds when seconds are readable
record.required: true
8,24
